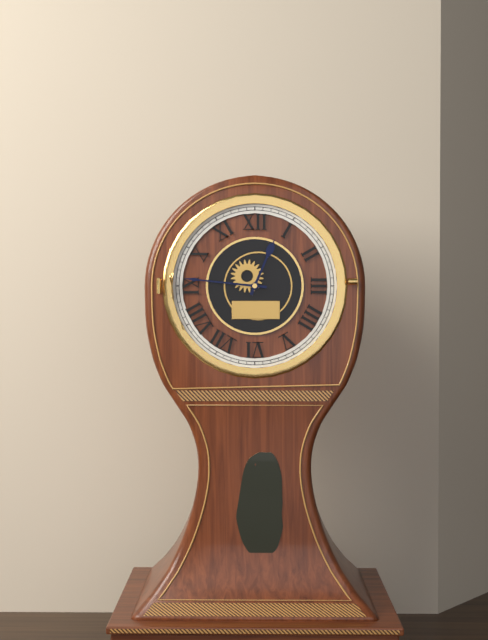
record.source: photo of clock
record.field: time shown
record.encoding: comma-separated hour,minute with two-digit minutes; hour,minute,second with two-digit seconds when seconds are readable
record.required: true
12,46
